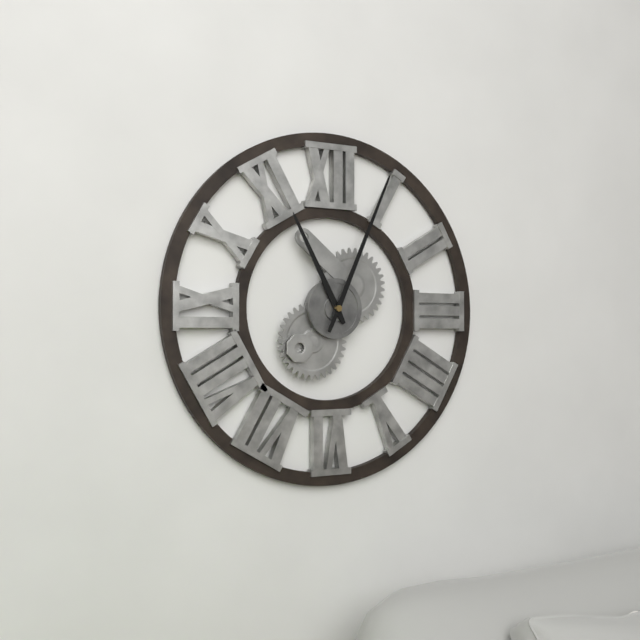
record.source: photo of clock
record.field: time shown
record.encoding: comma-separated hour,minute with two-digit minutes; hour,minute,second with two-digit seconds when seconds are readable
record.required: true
11,04
